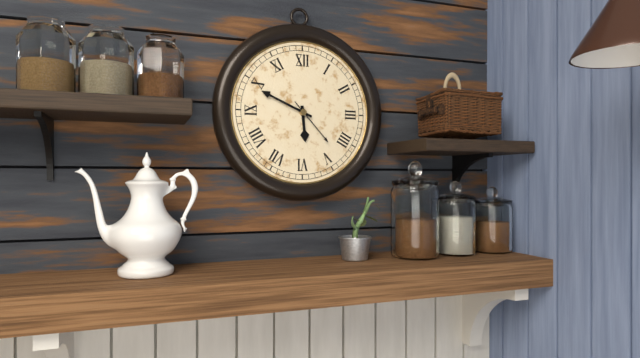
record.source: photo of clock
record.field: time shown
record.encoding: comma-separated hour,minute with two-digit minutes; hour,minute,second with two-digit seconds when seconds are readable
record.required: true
5,49
